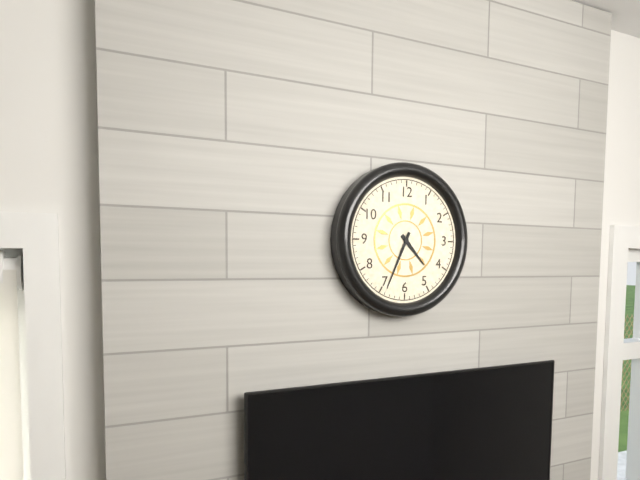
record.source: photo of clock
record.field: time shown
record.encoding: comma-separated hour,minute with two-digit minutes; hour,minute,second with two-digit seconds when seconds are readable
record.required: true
4,34
